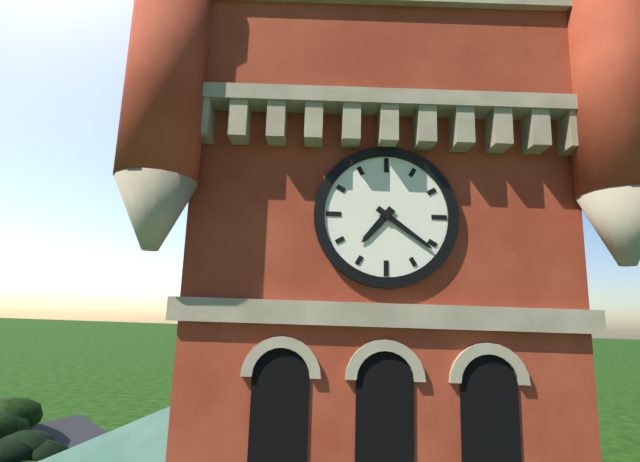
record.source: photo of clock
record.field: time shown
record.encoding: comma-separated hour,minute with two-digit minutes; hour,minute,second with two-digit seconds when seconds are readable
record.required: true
7,21
